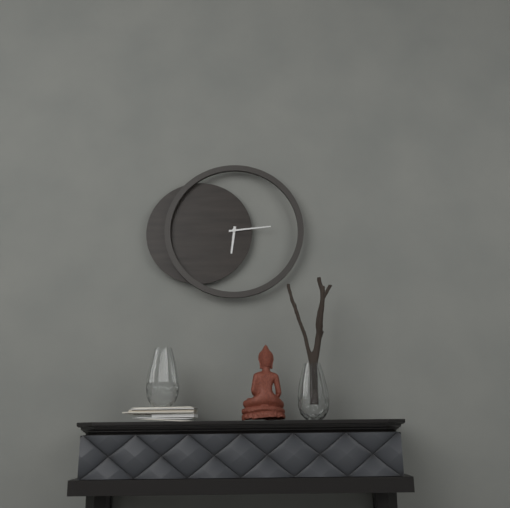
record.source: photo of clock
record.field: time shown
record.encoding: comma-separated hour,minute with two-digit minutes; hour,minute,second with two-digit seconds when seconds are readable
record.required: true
6,14
